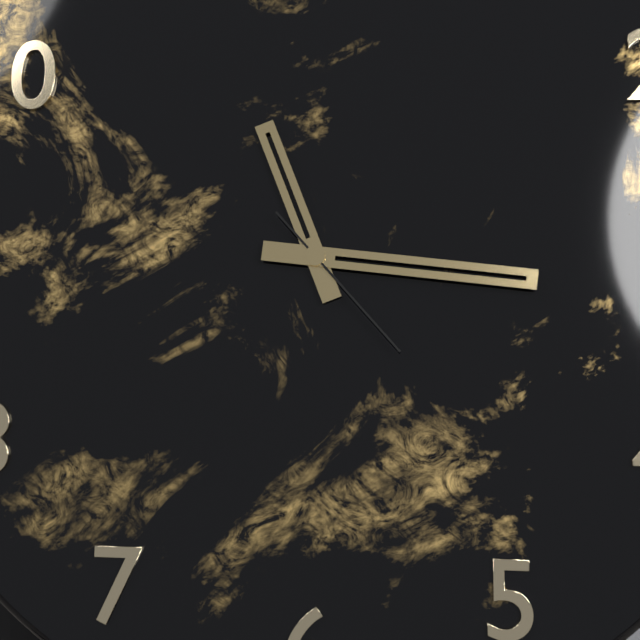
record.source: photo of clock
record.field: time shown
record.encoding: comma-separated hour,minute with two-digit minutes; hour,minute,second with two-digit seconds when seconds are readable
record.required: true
11,16,23
